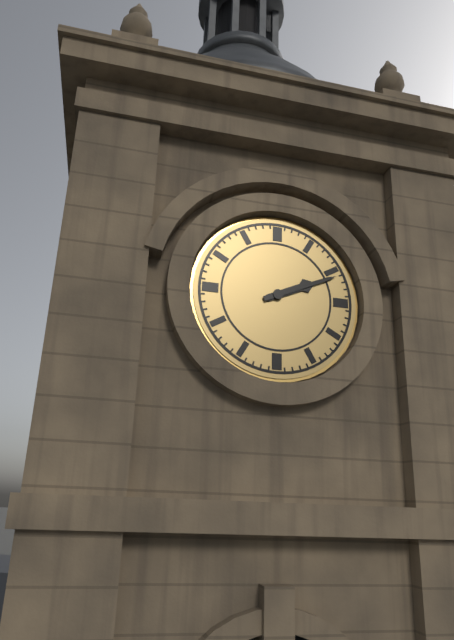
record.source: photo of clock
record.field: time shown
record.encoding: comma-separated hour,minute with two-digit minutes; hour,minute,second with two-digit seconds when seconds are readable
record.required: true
2,11
